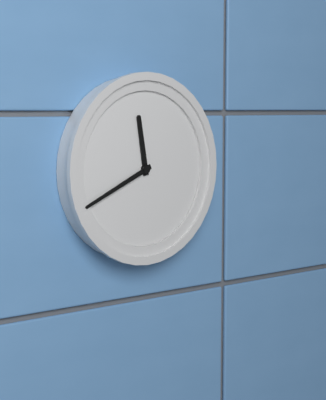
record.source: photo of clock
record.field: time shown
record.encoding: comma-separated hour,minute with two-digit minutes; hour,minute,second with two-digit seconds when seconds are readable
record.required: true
11,41
